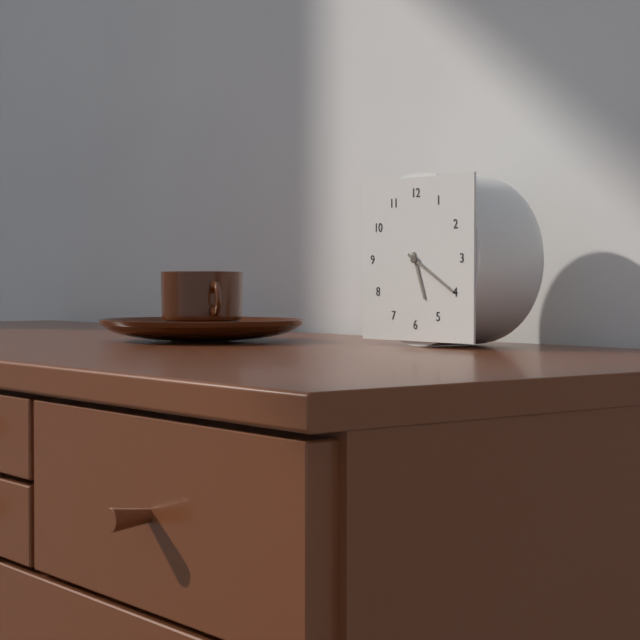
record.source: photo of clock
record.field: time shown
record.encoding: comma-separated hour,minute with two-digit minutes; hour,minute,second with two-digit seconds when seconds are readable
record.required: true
5,20
